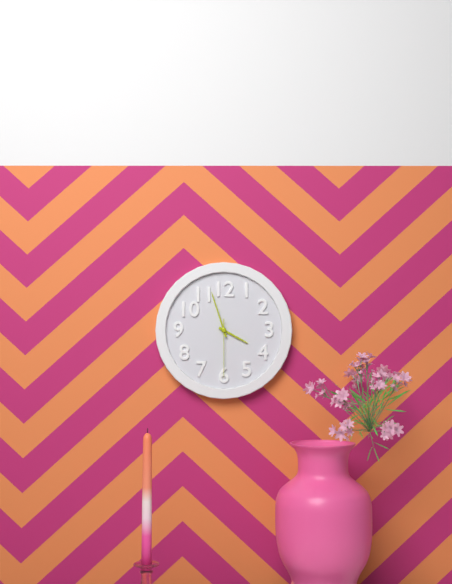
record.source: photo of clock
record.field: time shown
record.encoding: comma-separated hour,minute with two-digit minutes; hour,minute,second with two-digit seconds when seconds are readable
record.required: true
3,57,30
